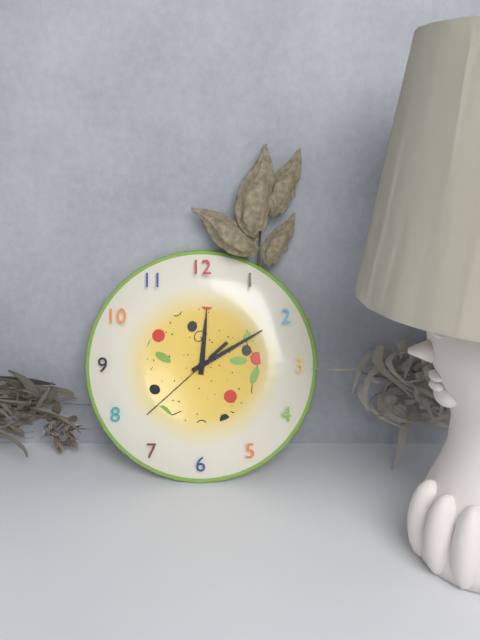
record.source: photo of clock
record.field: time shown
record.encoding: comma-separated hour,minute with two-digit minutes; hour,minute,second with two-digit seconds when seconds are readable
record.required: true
12,10,38
